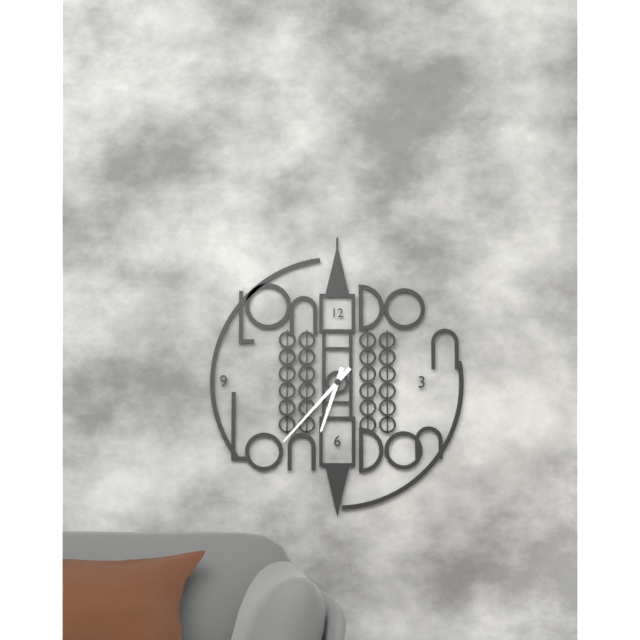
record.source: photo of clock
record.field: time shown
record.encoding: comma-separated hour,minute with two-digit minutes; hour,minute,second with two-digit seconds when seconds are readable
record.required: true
6,37
